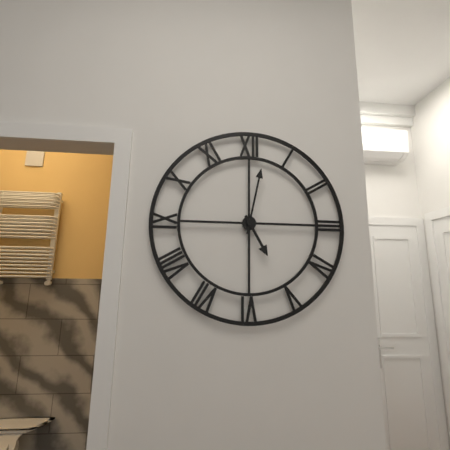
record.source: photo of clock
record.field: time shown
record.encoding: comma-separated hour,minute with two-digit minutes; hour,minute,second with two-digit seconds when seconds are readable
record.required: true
5,02
